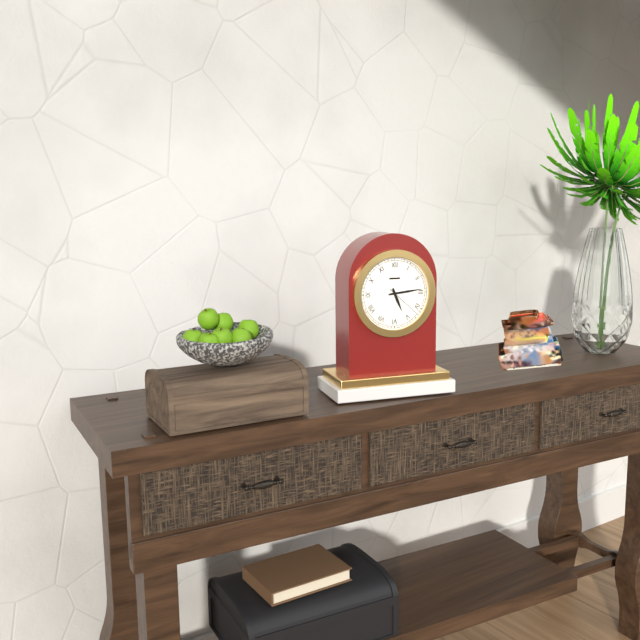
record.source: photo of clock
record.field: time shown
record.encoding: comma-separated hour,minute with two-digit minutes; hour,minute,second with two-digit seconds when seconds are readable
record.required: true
5,14
